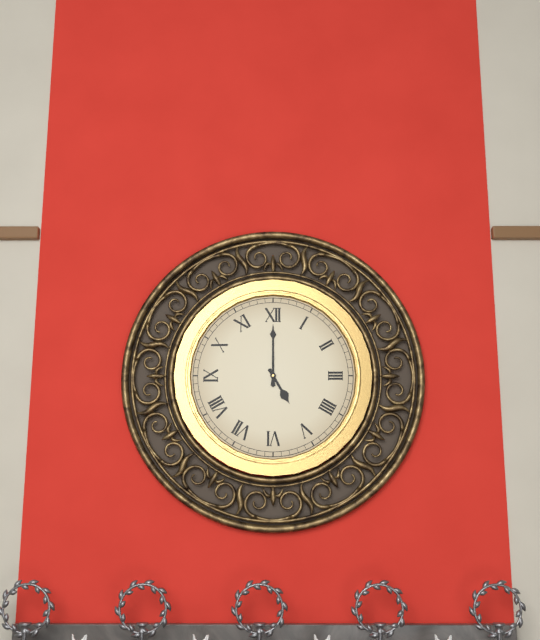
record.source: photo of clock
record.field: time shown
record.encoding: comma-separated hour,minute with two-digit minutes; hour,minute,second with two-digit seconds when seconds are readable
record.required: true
5,00
